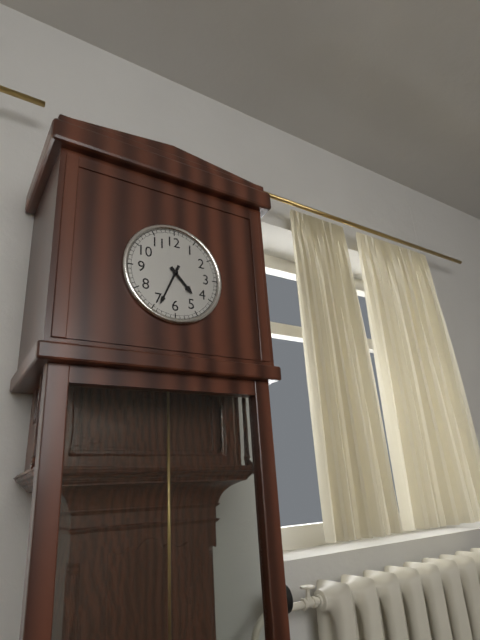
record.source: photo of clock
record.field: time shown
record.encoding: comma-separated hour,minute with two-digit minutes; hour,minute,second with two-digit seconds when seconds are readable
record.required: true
4,34
